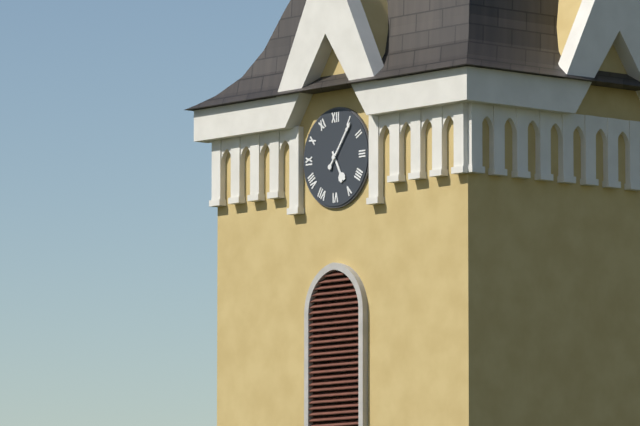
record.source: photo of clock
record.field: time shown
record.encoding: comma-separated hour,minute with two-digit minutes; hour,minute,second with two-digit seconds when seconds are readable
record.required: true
5,06
